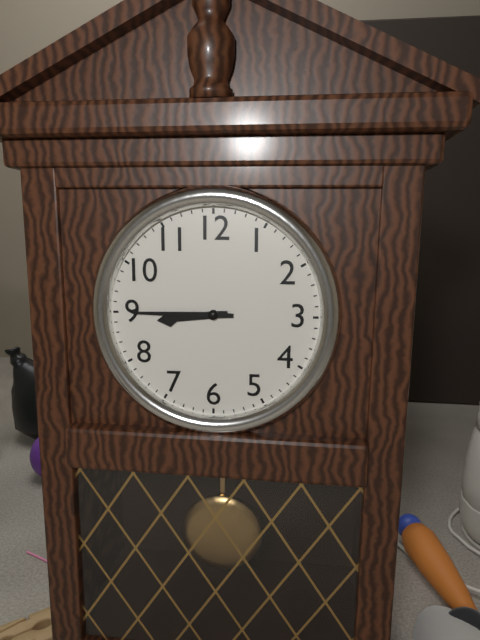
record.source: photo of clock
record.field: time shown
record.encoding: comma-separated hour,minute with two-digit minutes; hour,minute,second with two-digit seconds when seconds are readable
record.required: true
8,45
